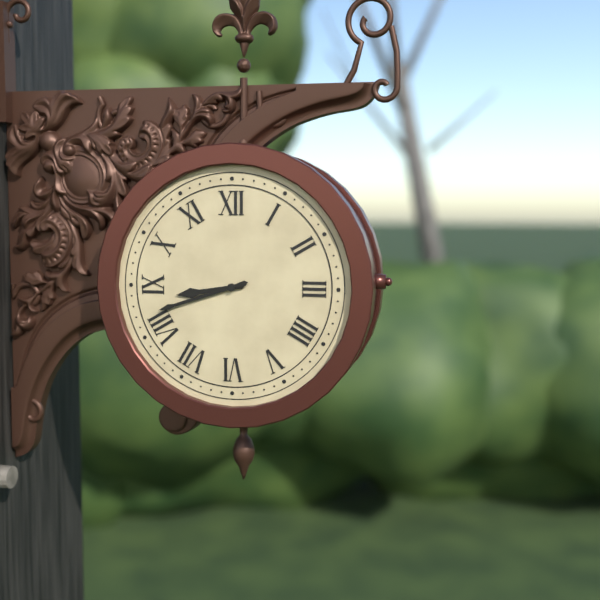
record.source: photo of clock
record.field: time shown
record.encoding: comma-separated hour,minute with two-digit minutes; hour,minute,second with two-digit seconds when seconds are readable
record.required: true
8,42
